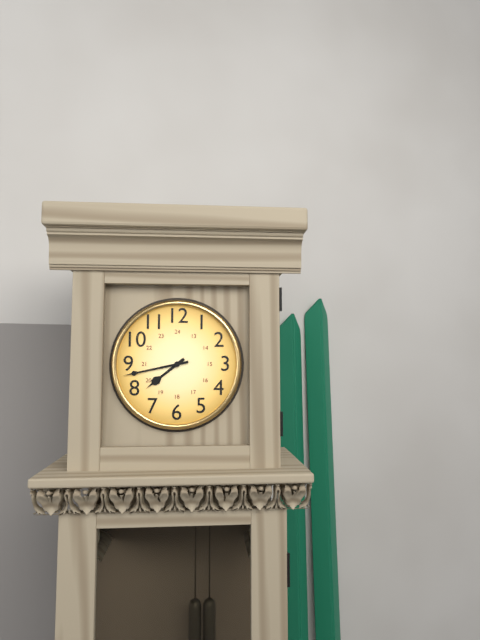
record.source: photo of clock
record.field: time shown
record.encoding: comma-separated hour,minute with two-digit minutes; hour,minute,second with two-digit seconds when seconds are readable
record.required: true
7,43
